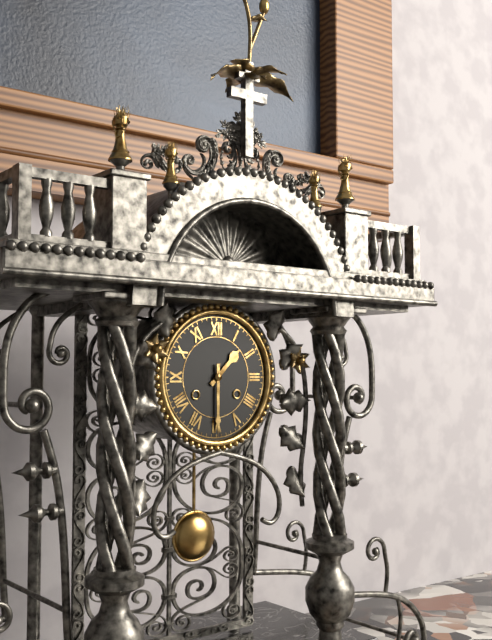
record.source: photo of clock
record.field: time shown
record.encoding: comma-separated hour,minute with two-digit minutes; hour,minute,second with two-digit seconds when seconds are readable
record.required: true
1,30
